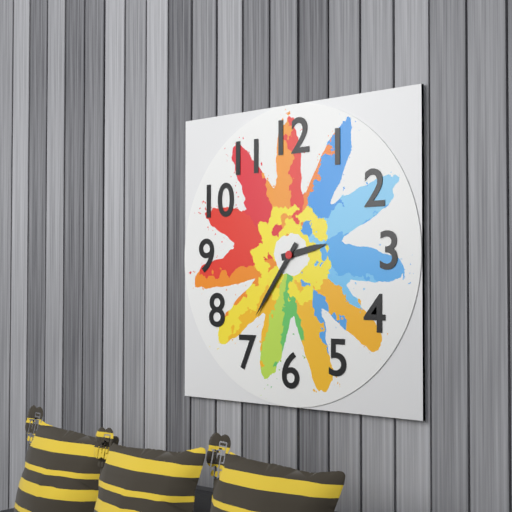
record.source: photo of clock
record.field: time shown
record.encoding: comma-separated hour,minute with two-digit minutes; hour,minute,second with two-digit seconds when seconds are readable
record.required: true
2,36
